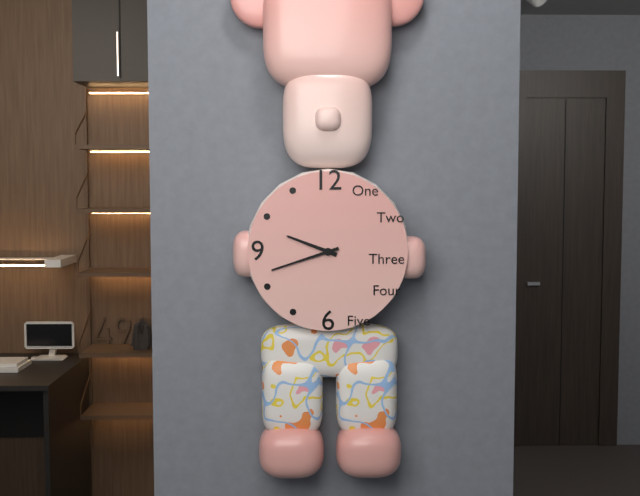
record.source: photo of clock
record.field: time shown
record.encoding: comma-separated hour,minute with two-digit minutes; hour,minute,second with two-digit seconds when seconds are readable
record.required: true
9,42
